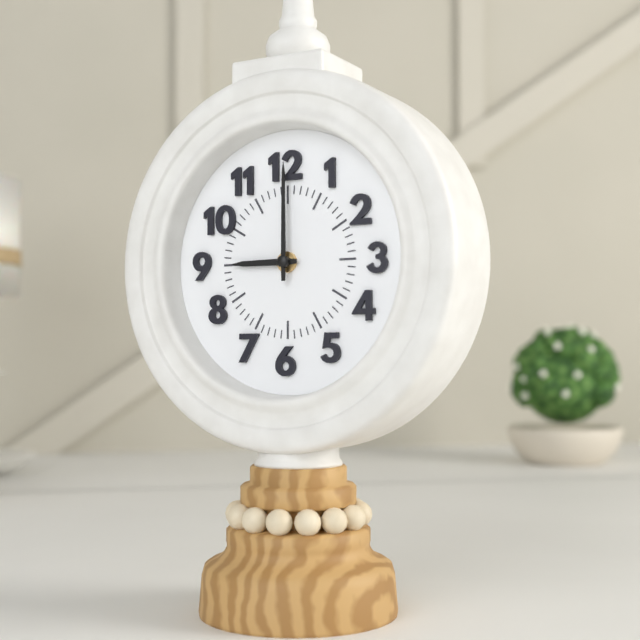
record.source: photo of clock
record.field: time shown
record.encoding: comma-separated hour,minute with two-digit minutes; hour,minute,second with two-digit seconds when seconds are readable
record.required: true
9,00
